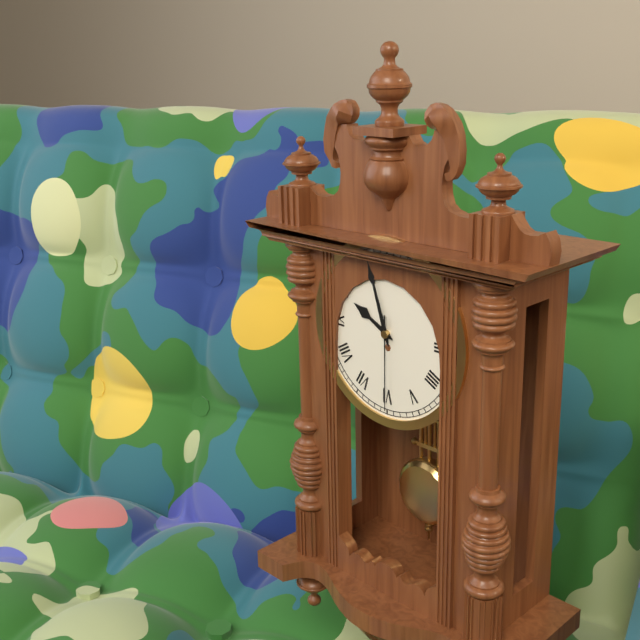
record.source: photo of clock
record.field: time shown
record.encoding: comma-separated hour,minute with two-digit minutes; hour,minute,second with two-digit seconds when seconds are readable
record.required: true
9,57,30
